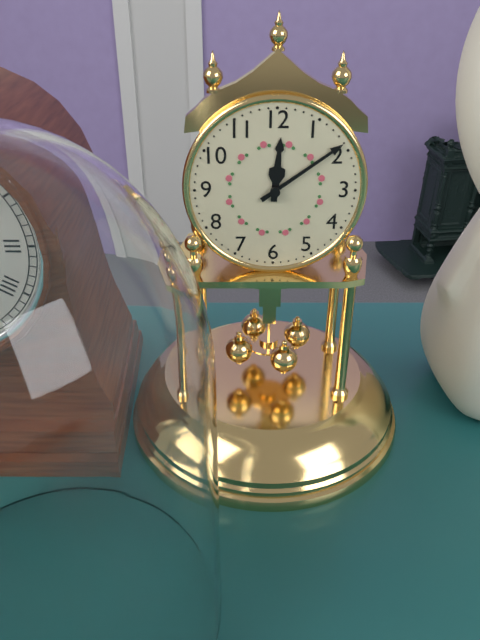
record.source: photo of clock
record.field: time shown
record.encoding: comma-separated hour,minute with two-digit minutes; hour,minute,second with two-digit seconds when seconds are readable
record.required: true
12,09
